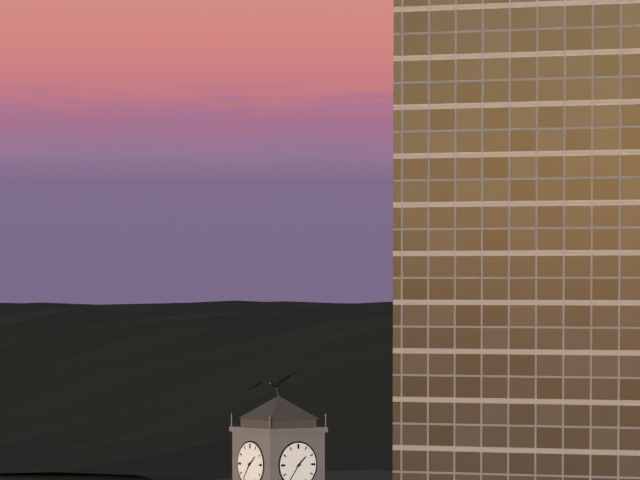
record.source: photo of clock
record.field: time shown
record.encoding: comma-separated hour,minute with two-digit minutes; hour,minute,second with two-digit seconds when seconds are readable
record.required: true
1,36
